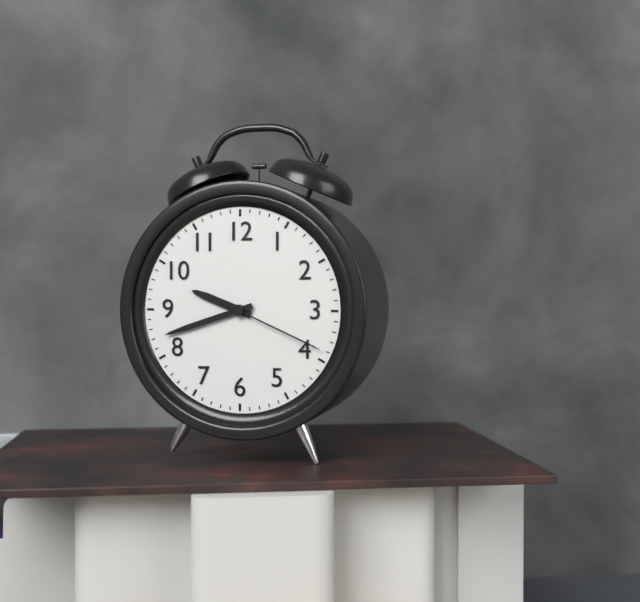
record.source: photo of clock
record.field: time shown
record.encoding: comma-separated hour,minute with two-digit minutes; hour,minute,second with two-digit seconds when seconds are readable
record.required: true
9,42,19
